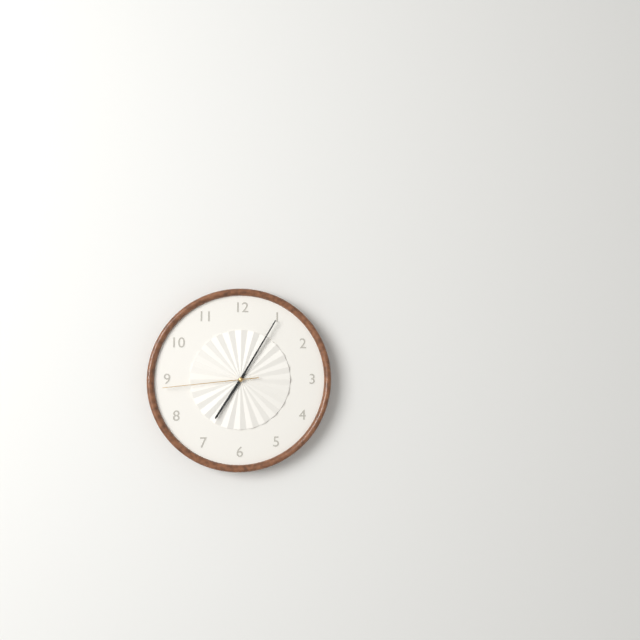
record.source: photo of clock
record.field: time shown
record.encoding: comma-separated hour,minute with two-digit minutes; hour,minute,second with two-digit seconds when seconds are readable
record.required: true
7,05,44
